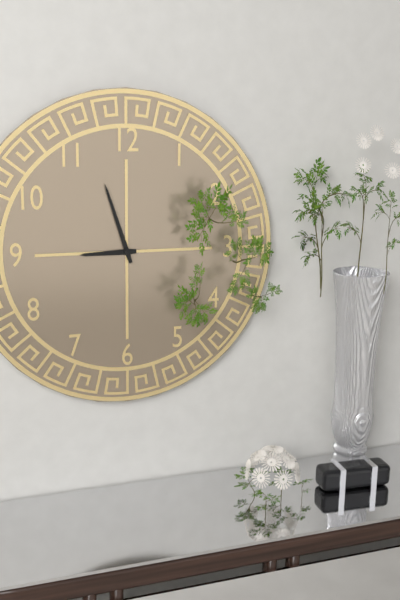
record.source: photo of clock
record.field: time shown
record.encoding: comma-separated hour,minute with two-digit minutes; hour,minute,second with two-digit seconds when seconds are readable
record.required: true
8,57
